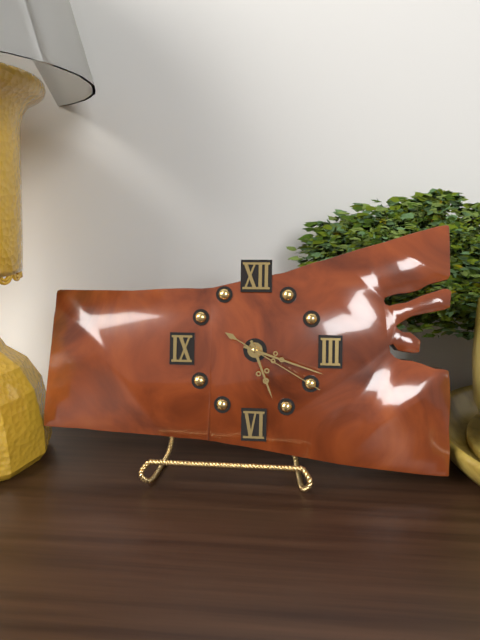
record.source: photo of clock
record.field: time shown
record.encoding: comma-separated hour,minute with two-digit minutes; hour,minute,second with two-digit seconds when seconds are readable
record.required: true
5,18,20
